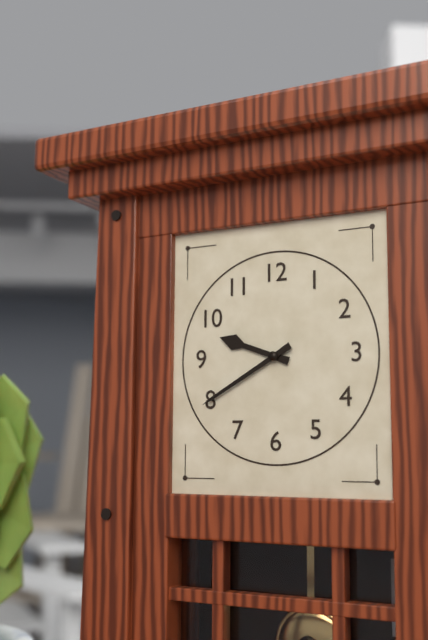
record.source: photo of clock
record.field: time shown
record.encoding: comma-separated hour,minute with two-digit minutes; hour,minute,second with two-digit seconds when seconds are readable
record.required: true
9,40
